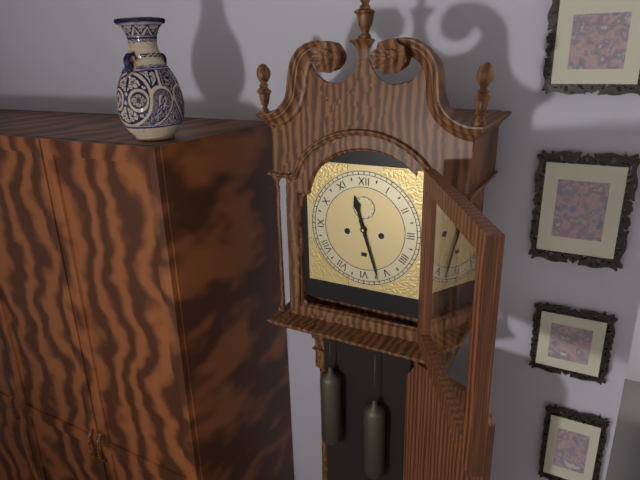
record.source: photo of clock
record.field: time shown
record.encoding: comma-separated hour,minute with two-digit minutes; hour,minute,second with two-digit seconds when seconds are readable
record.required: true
11,27
